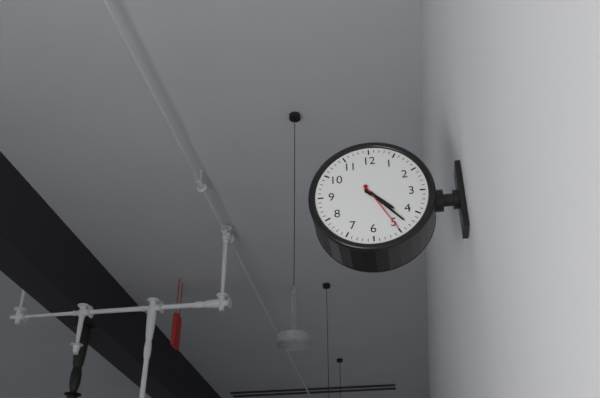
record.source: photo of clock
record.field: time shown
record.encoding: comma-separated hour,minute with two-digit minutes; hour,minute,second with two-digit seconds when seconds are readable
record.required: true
4,23
